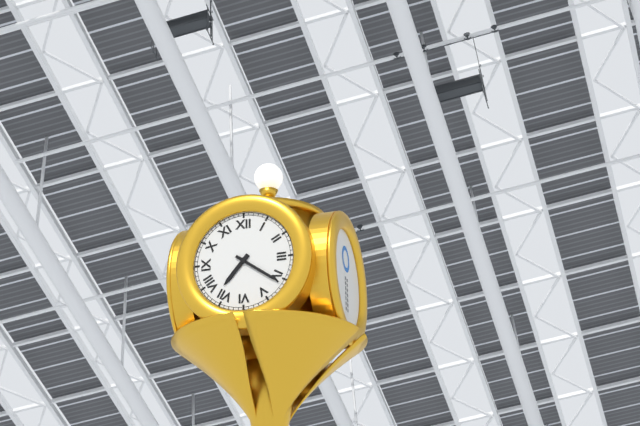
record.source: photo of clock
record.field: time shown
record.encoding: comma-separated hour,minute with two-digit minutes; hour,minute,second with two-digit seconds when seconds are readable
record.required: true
7,21
